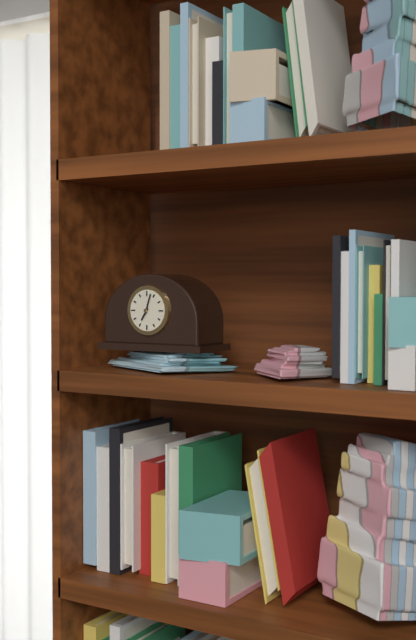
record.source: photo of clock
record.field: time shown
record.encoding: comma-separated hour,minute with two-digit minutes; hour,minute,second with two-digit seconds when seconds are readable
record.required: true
7,03
